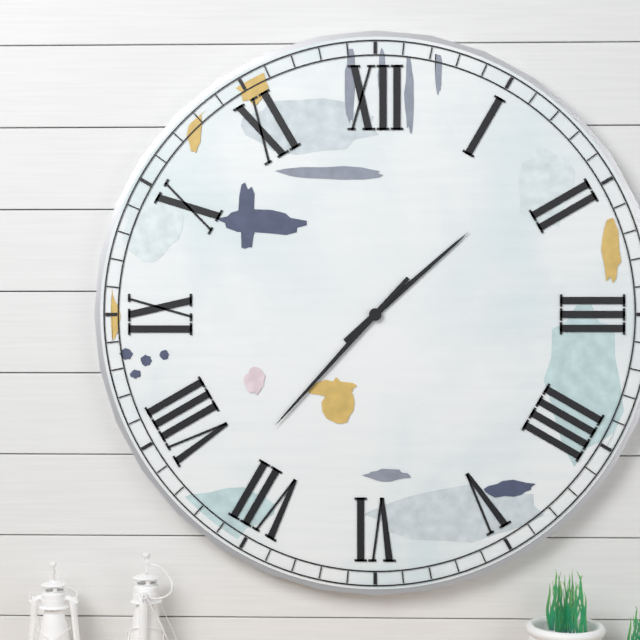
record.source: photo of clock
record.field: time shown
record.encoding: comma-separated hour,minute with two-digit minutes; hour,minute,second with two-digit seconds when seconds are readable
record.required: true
1,37
